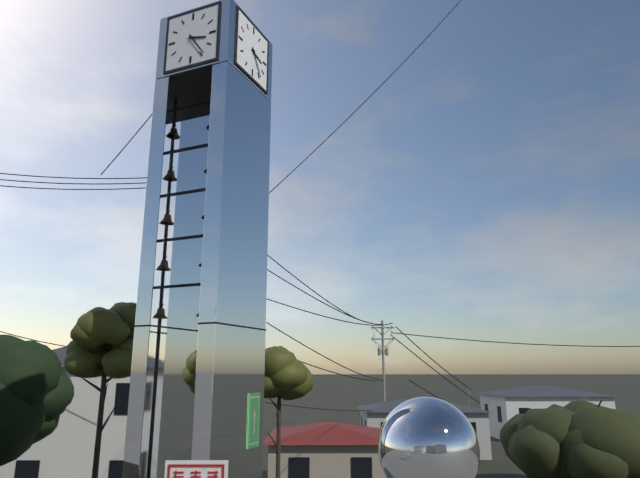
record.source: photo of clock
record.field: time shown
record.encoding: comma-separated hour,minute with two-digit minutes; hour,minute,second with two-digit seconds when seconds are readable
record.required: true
3,24
